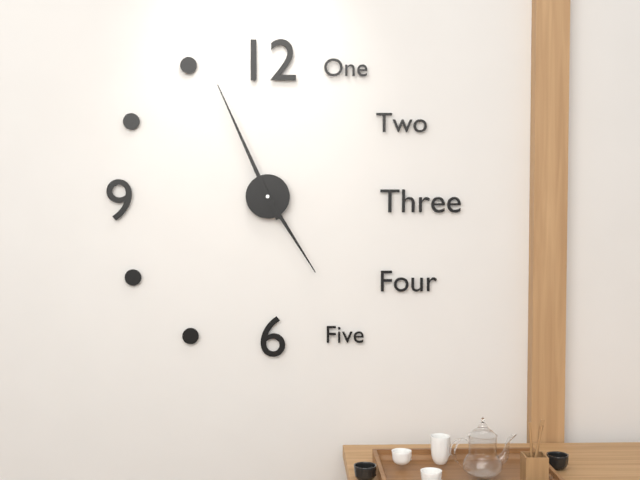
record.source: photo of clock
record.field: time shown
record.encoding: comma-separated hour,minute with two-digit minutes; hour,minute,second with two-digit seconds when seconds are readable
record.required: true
4,56
